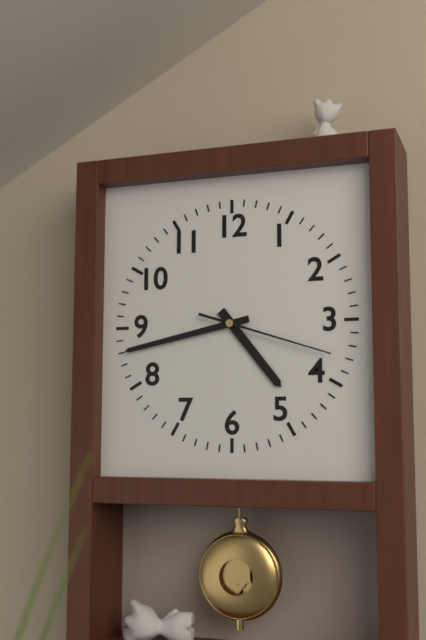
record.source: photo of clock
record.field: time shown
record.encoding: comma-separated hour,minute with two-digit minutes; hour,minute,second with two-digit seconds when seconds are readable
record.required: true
4,43,18
